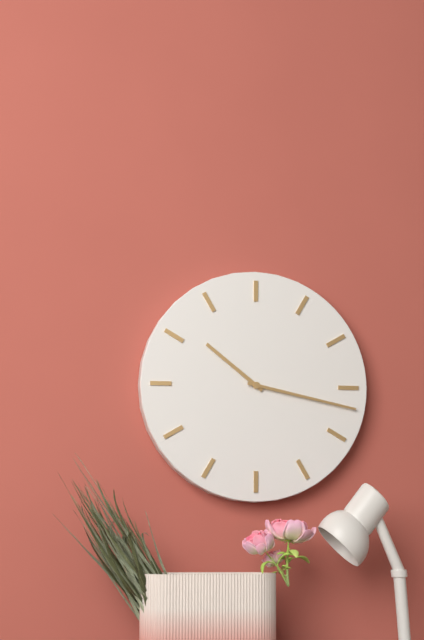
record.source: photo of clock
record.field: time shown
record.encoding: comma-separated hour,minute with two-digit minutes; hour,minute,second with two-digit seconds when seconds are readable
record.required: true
10,17
